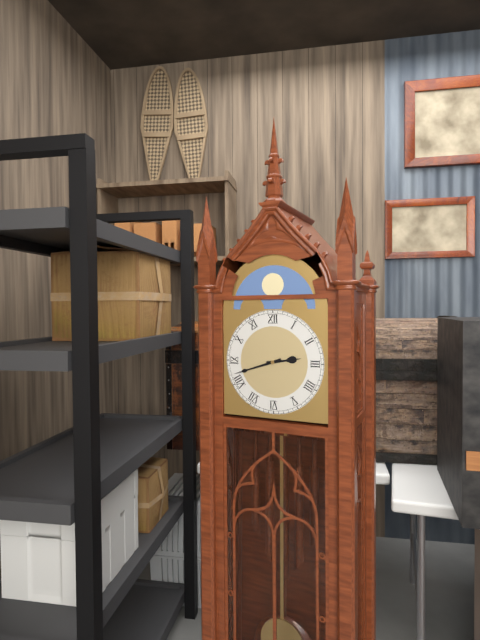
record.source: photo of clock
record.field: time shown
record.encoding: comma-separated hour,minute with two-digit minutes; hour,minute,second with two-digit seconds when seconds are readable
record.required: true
2,42
